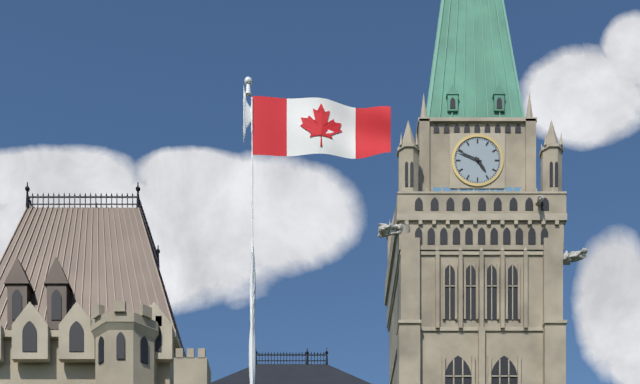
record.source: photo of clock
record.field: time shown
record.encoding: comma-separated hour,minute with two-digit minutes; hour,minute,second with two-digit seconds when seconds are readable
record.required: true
4,49
